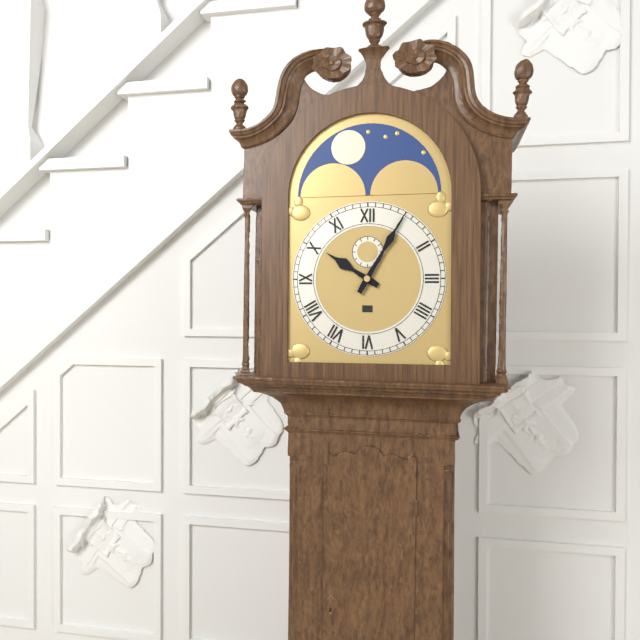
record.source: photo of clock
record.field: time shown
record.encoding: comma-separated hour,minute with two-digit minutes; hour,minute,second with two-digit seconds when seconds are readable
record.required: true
10,05
